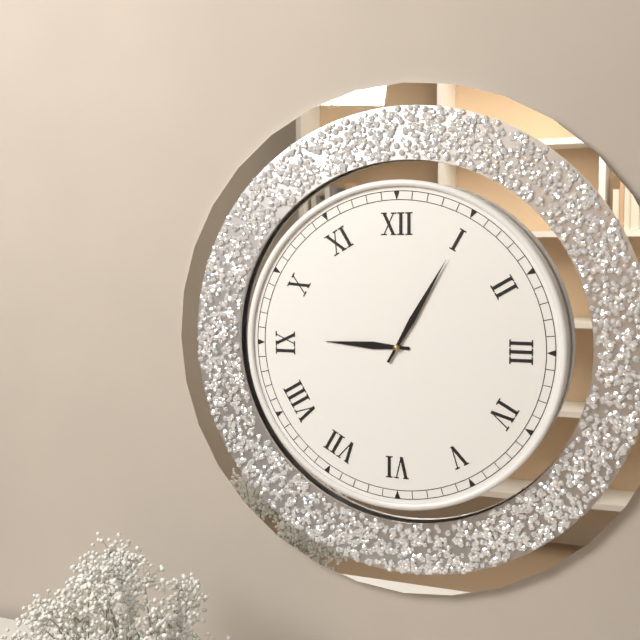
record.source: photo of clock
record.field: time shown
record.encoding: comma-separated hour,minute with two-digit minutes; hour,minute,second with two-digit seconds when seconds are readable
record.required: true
9,05
